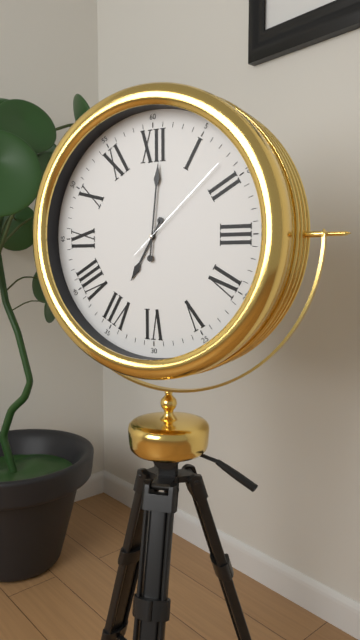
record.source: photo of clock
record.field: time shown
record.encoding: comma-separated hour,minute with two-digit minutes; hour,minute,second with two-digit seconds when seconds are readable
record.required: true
7,01,08
